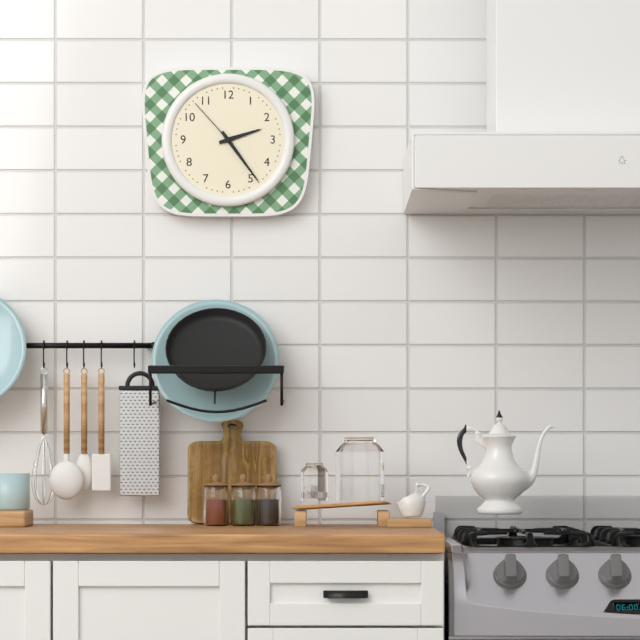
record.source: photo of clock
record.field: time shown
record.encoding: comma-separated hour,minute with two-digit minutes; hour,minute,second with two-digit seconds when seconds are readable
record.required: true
2,24,53
